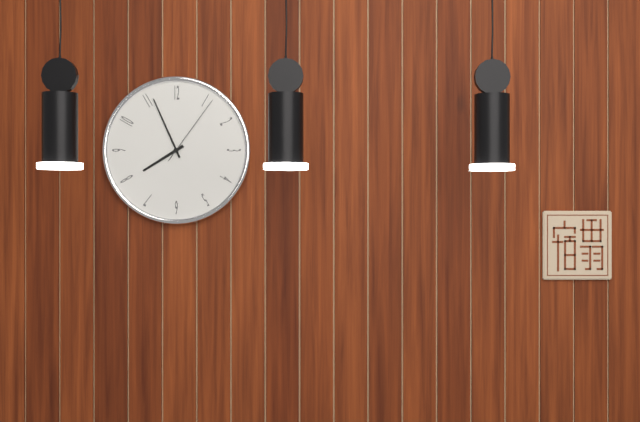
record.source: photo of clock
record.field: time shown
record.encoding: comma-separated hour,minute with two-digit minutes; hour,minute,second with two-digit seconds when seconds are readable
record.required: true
7,56,06
